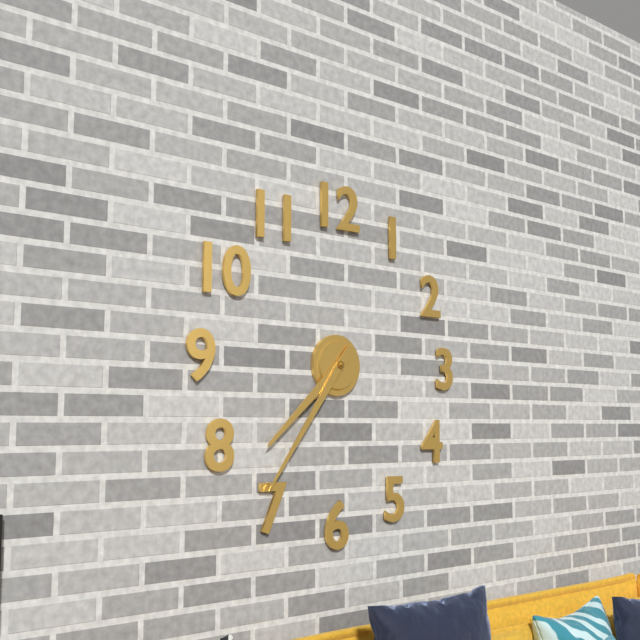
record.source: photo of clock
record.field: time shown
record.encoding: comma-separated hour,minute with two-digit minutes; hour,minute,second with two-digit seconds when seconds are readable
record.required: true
7,36
